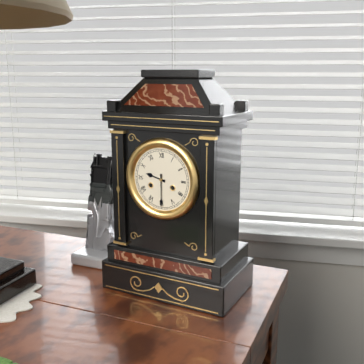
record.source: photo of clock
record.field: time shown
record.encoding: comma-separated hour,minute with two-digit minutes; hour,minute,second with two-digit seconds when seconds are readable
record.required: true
9,30
